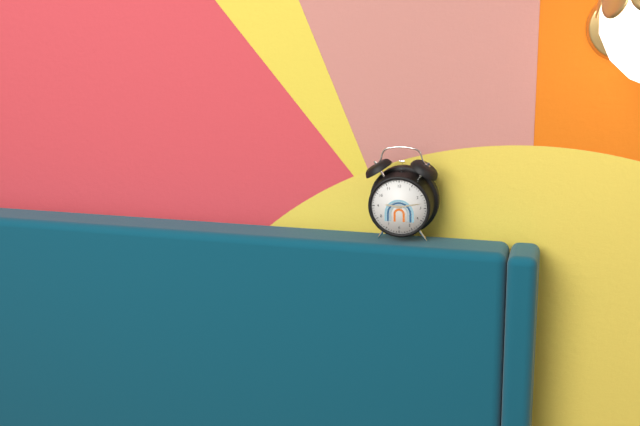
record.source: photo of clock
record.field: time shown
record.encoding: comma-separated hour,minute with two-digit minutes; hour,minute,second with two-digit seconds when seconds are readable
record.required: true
9,13
